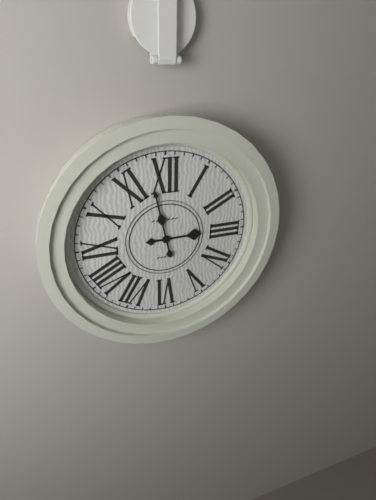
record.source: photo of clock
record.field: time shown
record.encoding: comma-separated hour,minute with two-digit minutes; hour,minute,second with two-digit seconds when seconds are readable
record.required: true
2,58
